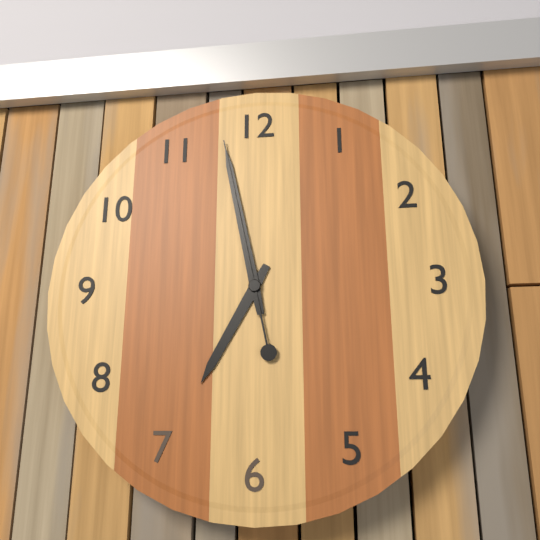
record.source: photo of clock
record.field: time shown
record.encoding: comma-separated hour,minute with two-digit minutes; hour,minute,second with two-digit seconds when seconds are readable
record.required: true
6,58,58
